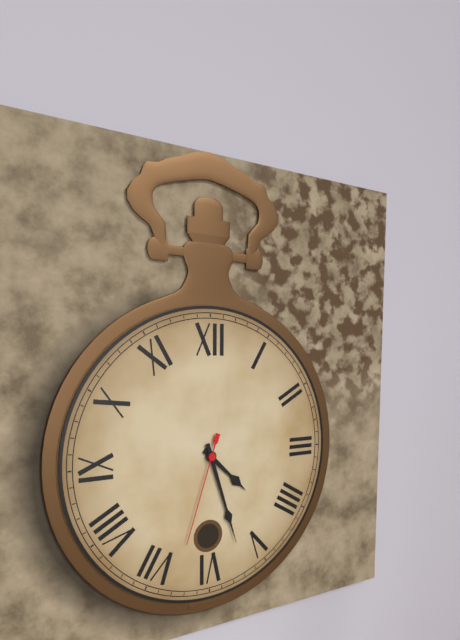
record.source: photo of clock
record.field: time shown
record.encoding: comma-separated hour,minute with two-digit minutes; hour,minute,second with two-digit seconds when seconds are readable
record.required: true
4,27,33
